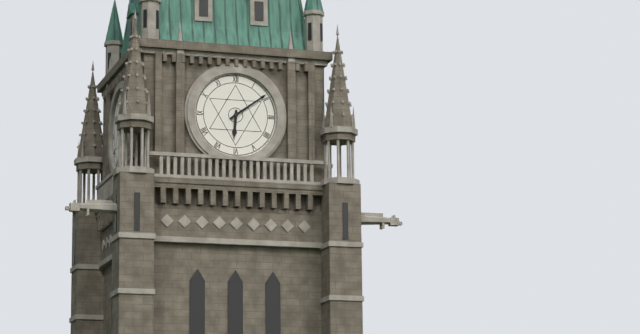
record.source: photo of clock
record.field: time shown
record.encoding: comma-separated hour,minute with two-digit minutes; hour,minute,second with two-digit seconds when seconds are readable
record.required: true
6,09
